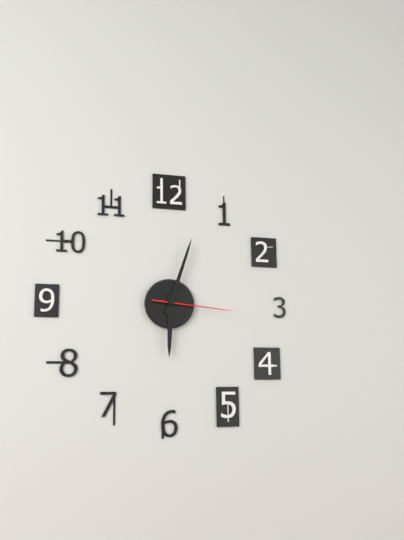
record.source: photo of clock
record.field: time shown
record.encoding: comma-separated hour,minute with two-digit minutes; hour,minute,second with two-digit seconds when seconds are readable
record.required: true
6,03,16
